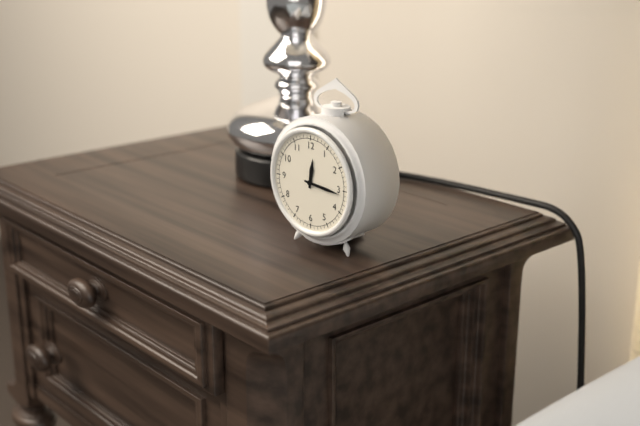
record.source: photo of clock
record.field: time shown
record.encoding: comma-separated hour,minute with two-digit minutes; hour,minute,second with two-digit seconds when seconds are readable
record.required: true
12,16
